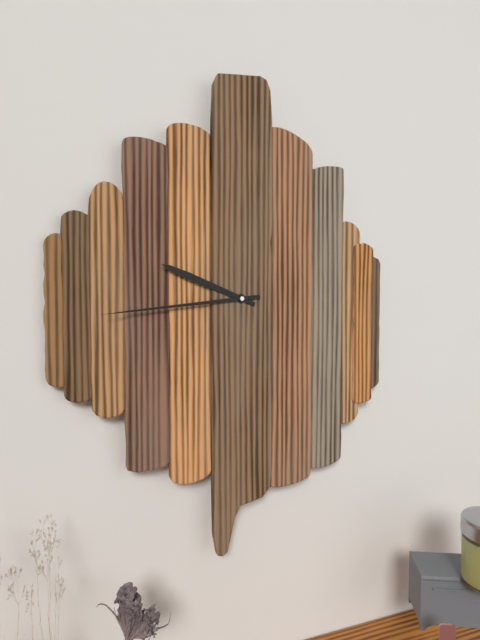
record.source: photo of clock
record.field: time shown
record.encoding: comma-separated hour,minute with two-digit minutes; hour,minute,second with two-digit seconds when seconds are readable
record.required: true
9,44
